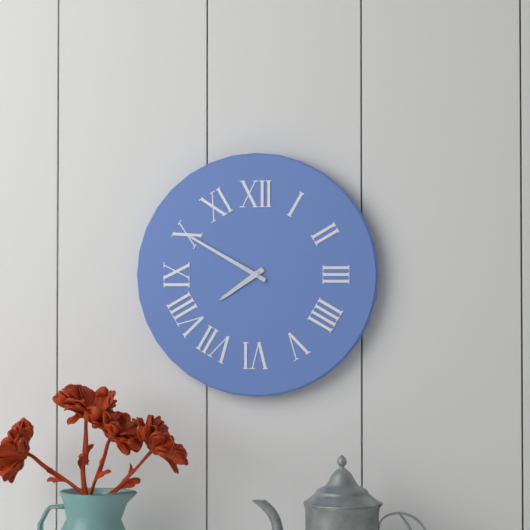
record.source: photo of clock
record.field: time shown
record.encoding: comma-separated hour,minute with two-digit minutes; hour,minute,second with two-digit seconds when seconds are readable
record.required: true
7,50
